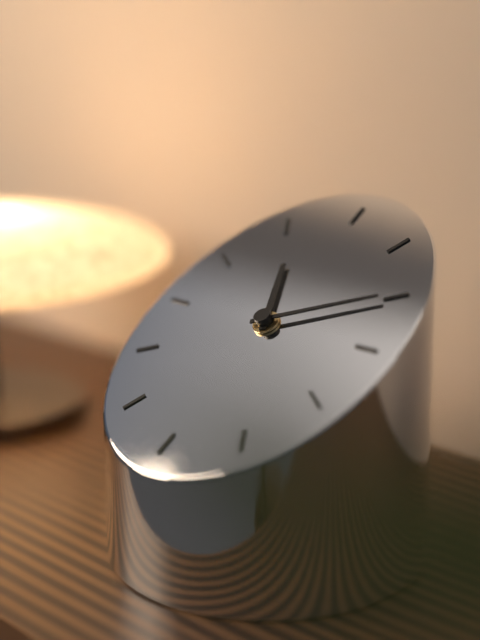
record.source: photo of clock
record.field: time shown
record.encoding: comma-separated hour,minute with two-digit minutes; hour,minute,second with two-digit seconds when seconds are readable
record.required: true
11,10
